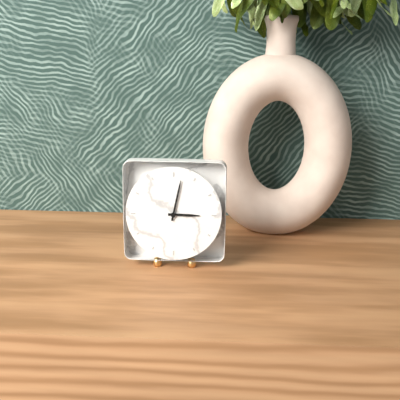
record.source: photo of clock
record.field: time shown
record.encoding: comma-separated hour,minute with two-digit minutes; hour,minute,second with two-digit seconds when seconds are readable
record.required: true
3,02
